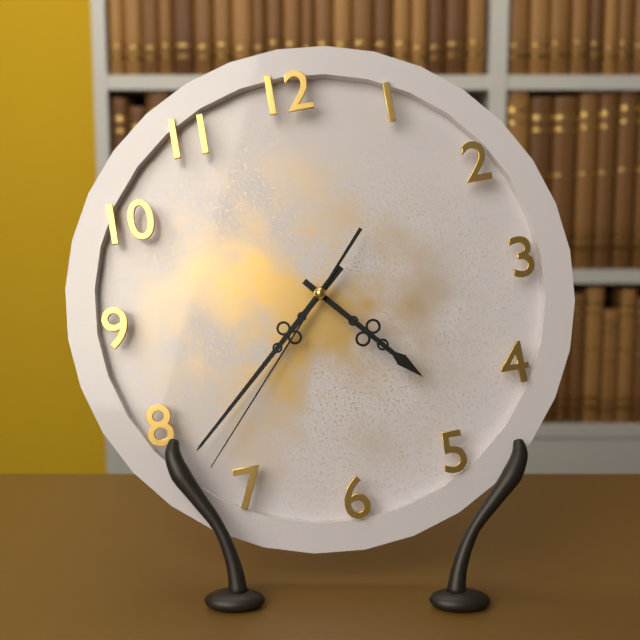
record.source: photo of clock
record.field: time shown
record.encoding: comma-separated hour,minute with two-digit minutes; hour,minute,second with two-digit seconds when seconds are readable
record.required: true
4,38,37
